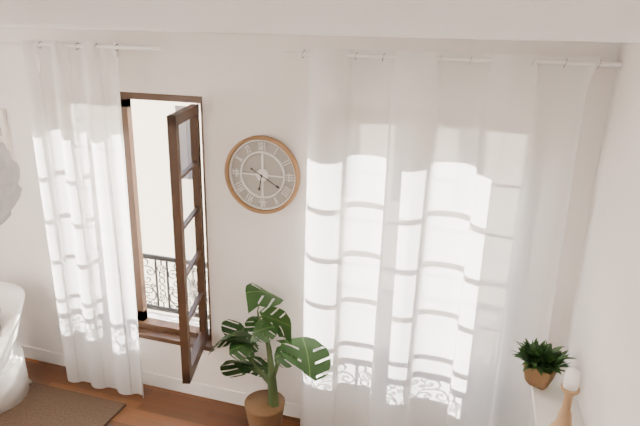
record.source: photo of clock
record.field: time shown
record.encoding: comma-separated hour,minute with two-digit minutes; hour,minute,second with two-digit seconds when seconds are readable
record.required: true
6,20
